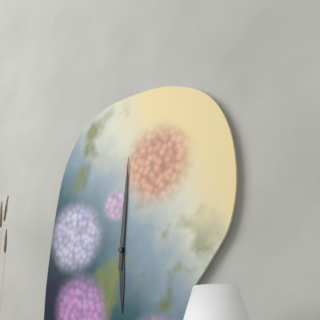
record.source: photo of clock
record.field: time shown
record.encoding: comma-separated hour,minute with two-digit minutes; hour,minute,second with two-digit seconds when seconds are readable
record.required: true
6,01
